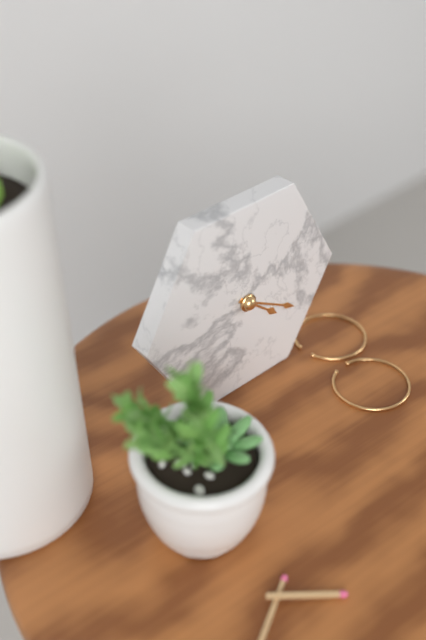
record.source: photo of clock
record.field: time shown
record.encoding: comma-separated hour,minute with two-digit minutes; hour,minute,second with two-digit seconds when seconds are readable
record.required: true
4,20
